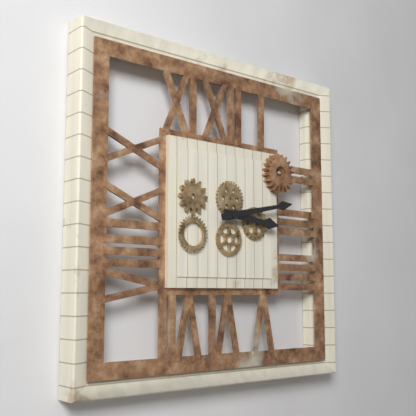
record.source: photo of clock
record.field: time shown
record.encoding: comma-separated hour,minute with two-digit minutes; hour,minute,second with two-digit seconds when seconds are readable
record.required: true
3,13
